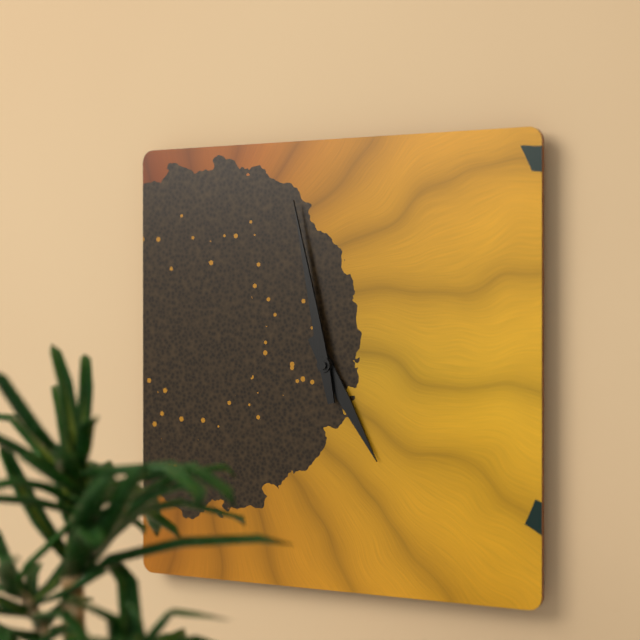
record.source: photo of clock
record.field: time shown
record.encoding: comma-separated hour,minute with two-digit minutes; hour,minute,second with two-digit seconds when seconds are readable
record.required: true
4,58
